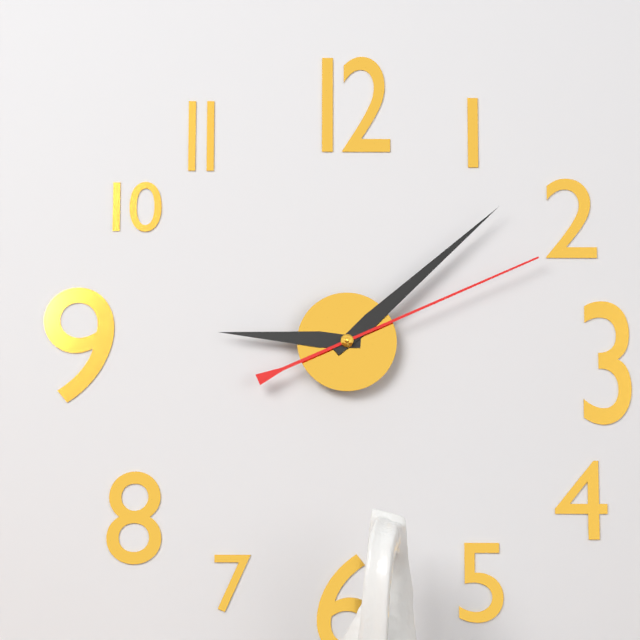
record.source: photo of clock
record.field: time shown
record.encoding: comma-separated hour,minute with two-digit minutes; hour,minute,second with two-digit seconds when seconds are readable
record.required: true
9,08,11
